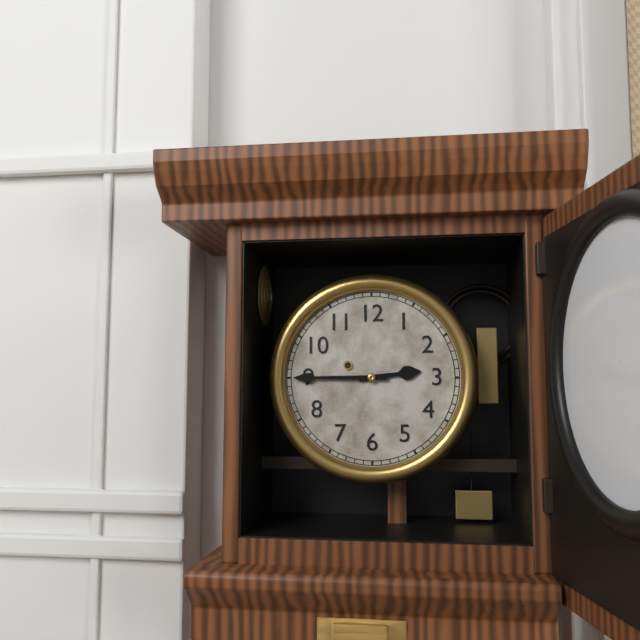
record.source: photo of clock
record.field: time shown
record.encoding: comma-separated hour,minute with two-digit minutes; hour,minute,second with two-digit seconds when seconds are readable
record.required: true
2,45
